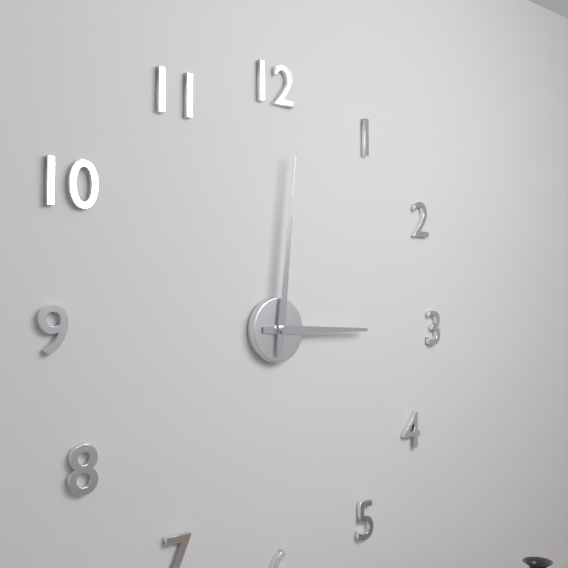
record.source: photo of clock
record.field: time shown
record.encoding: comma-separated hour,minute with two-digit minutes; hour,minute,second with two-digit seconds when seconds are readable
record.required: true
3,01
